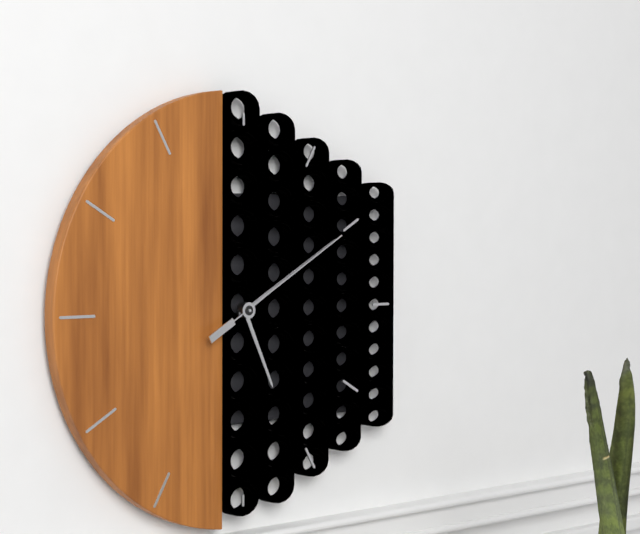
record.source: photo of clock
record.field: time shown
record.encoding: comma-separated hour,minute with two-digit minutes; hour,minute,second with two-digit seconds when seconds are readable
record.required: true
5,10,10
